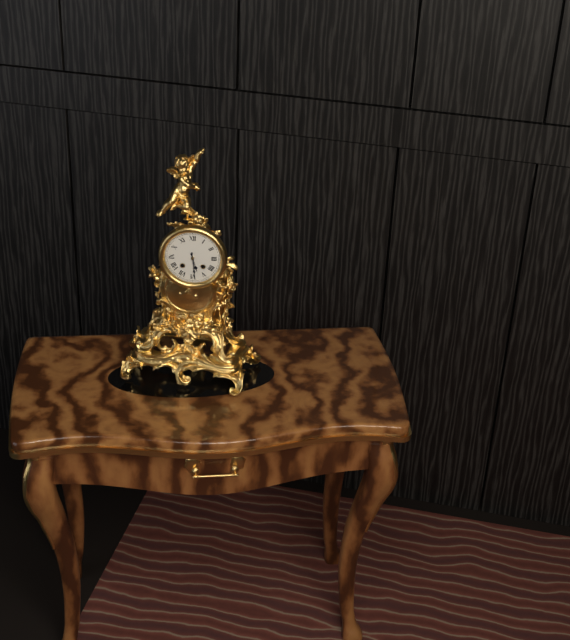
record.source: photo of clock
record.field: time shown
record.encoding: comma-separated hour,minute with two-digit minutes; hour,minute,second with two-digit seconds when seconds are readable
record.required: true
5,29
